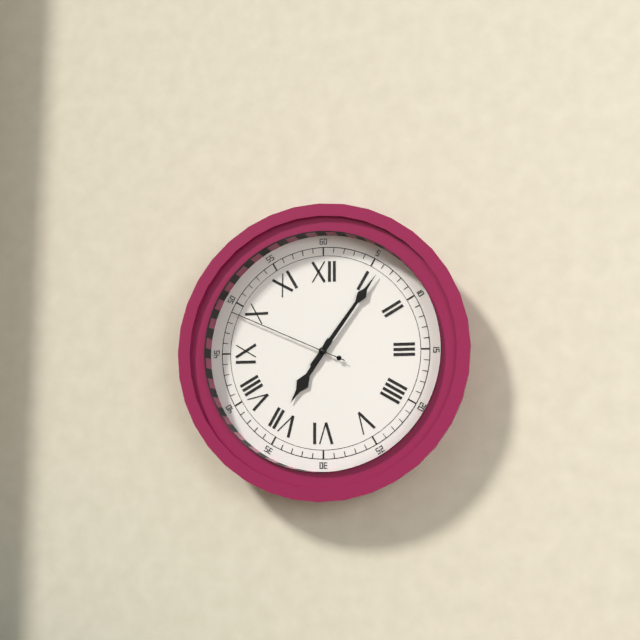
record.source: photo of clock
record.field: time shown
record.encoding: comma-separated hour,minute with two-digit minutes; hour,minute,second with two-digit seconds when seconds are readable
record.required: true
7,06,49
